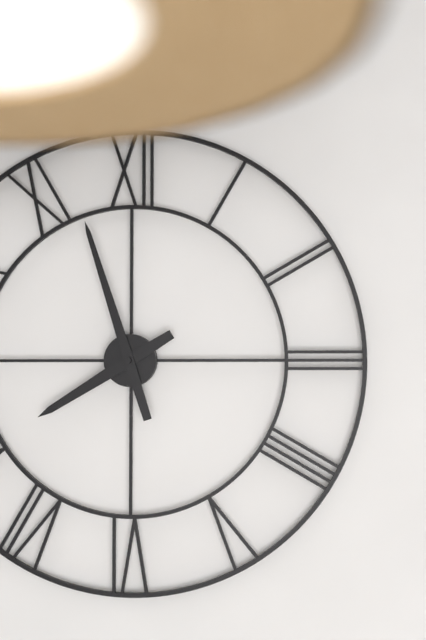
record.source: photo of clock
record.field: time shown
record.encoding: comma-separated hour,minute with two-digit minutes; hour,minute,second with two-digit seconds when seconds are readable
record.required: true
7,57
